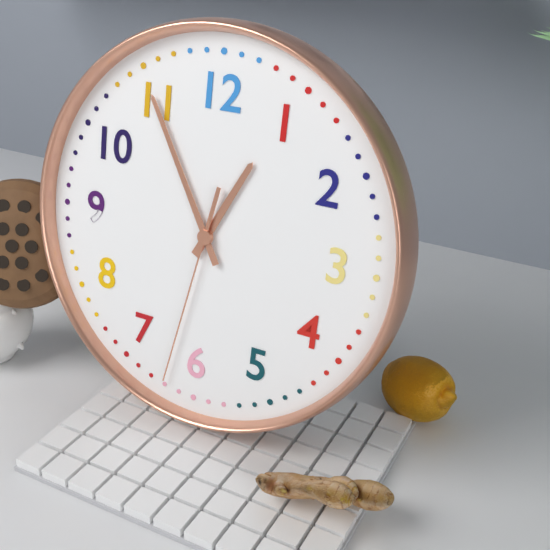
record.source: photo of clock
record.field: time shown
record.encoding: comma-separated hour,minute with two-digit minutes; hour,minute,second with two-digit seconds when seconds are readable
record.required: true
12,55,32
